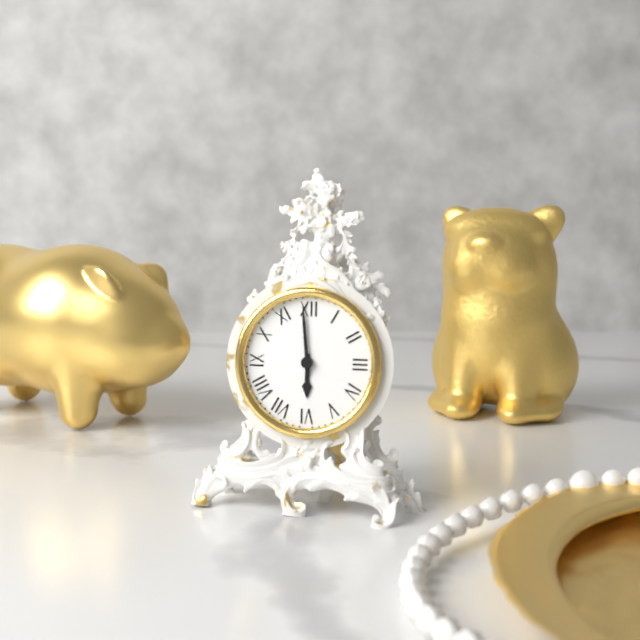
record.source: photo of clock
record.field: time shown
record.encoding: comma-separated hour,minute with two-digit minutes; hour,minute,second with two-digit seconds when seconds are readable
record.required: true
5,59
